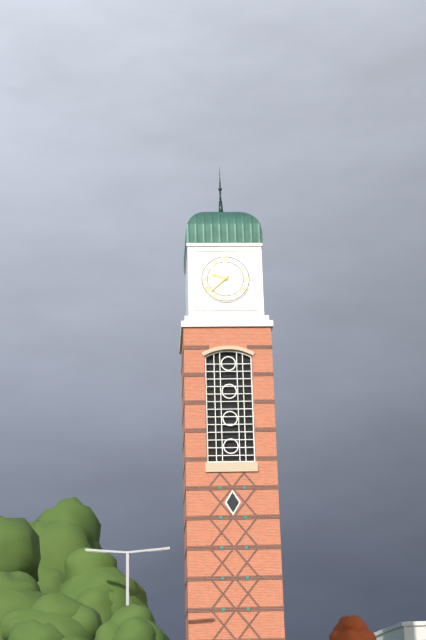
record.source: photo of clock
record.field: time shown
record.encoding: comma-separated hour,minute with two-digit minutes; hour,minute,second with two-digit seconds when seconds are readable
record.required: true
9,38
